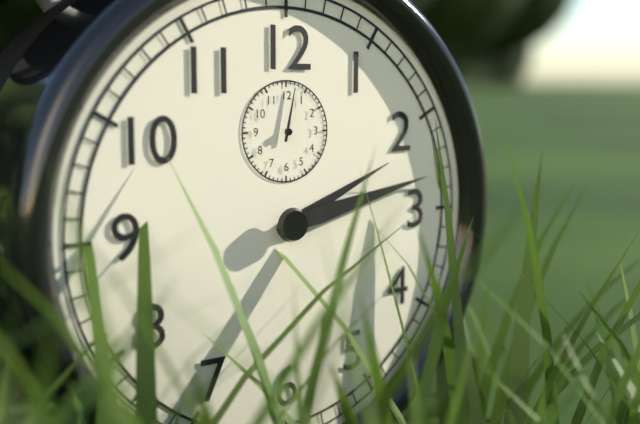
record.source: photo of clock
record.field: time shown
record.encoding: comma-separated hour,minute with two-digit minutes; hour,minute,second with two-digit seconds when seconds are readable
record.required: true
2,13,02
